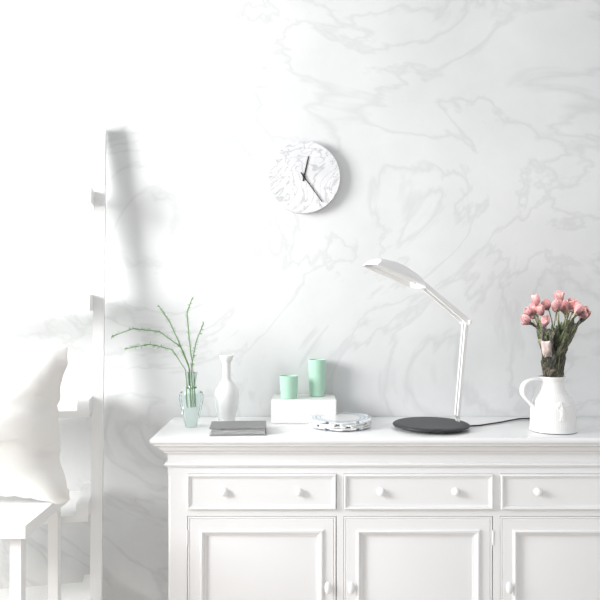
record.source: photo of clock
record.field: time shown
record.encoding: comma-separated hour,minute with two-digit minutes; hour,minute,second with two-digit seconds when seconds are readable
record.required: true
12,24
